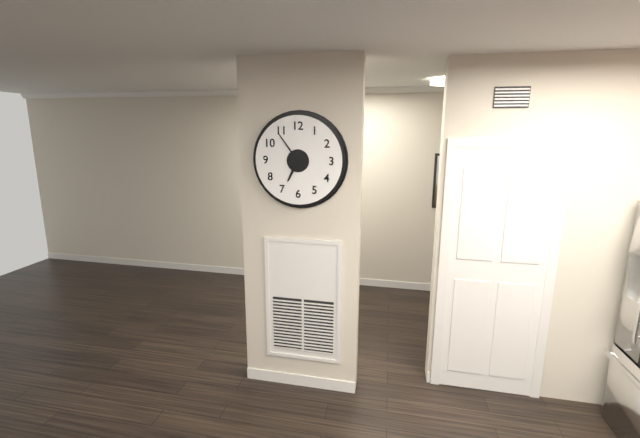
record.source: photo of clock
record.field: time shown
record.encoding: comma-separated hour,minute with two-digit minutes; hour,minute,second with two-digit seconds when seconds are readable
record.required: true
6,54
